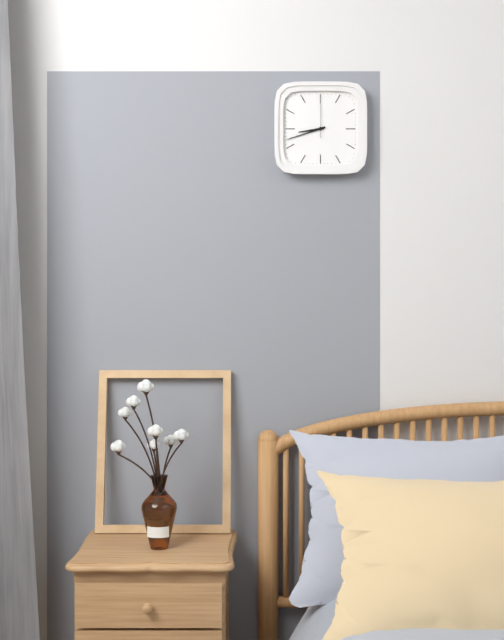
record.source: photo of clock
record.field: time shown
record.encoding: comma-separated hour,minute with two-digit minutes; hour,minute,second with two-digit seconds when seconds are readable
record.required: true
8,42
